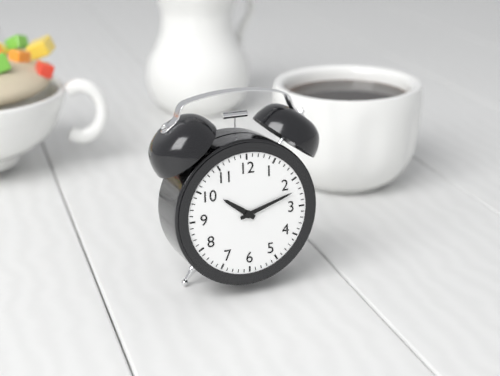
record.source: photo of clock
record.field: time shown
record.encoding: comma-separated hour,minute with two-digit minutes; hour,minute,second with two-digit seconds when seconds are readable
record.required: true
10,12
